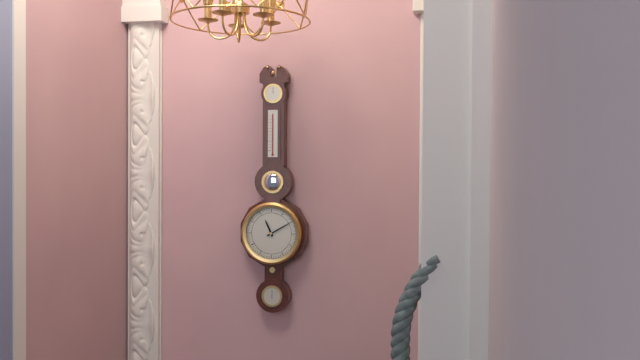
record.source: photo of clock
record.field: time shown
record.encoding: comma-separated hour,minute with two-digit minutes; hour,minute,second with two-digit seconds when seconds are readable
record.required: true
11,10
